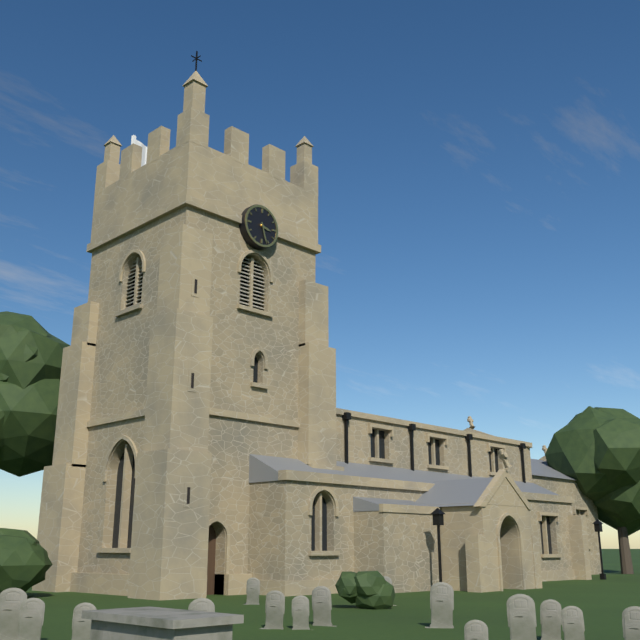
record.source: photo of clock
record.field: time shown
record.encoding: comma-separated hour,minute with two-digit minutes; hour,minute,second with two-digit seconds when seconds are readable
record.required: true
3,27
